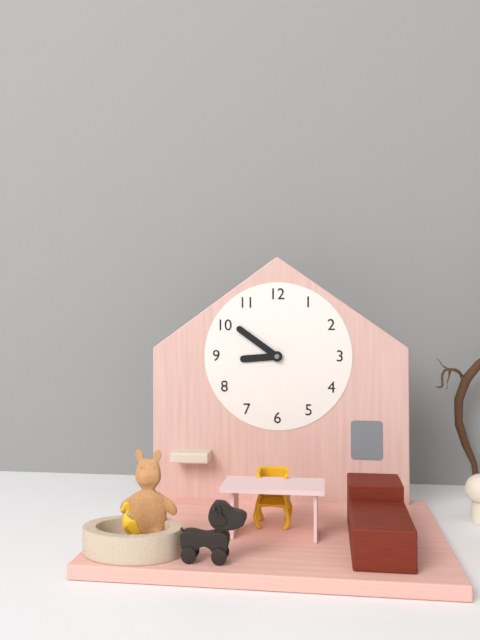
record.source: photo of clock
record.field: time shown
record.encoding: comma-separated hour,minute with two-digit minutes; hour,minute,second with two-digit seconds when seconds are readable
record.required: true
8,51
